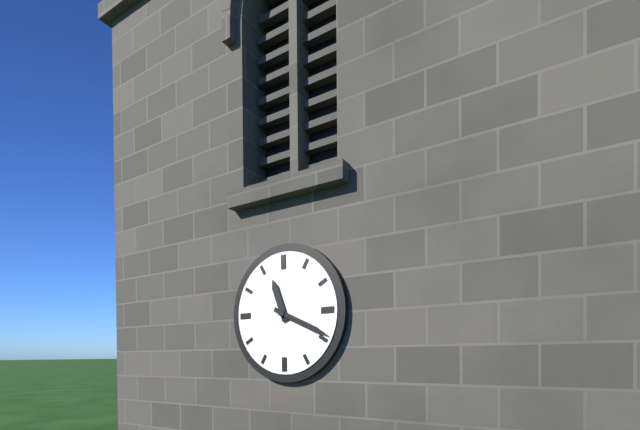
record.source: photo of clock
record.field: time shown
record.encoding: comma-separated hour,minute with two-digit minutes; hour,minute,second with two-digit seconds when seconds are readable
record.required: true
11,19
